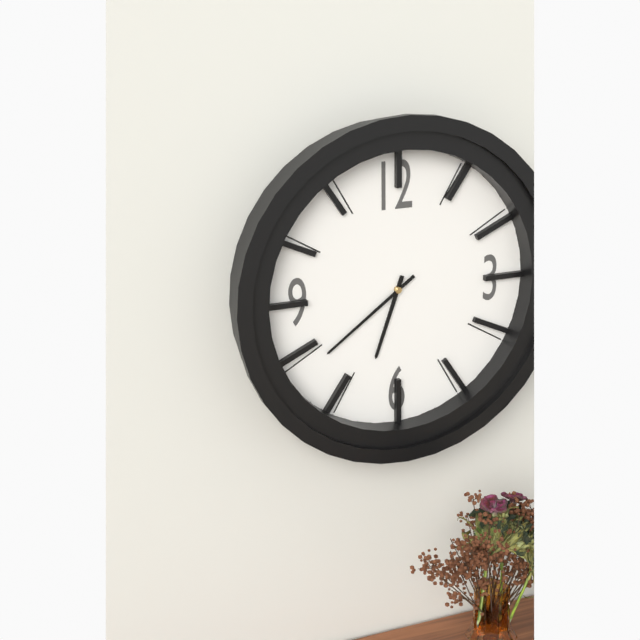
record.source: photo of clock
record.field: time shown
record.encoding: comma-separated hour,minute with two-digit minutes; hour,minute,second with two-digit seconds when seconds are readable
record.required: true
6,39
